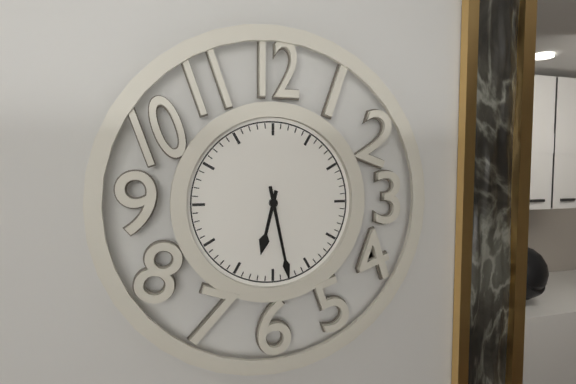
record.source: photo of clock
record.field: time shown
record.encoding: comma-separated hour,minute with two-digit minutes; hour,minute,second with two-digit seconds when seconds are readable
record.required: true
6,28
